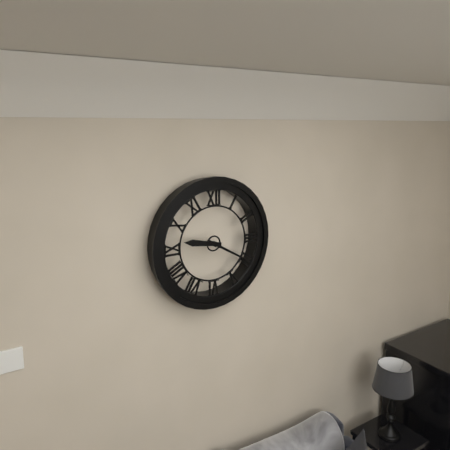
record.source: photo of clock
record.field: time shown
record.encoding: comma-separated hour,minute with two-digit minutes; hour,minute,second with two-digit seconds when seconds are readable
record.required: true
9,20
